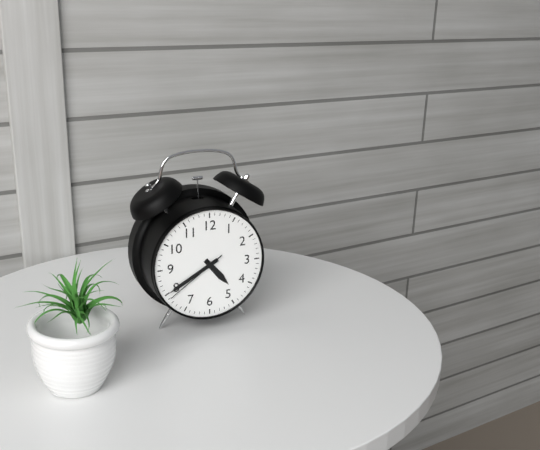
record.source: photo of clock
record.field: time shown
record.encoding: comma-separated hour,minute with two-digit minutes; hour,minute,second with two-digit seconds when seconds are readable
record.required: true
4,40,39
